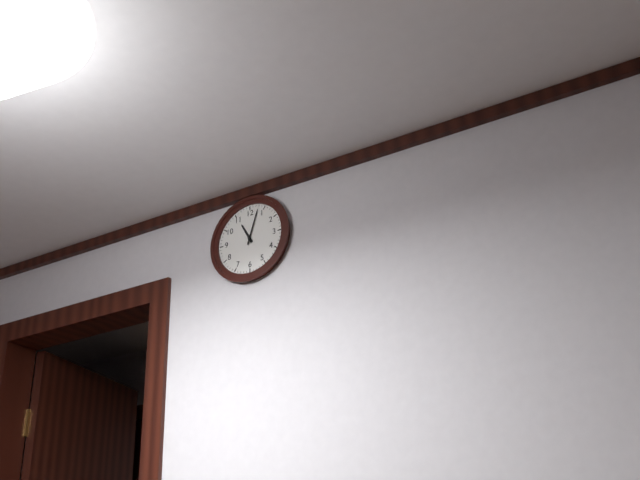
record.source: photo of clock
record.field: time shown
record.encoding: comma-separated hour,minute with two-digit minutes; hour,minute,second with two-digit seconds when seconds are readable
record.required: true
11,03
